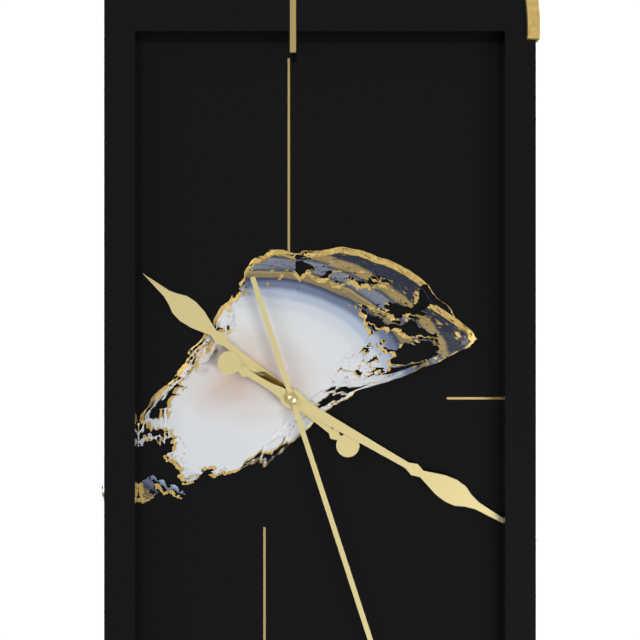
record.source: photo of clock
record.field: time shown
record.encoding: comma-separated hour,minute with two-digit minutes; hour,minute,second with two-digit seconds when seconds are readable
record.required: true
10,20
